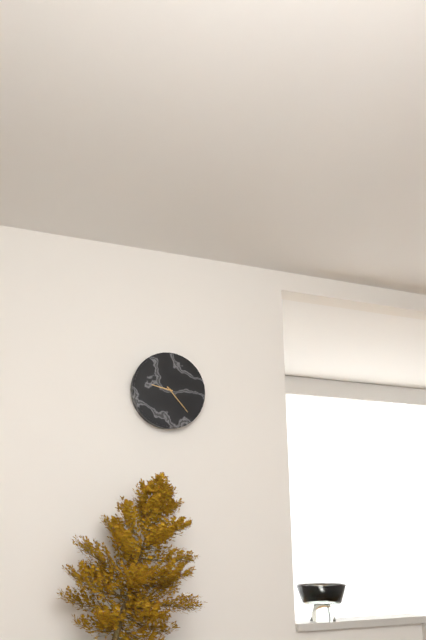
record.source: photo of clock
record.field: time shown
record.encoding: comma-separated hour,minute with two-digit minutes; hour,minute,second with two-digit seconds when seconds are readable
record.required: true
9,23
